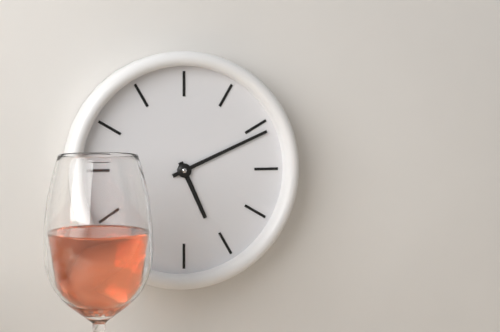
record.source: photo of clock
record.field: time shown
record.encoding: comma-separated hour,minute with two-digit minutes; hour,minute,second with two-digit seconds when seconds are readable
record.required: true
5,11
